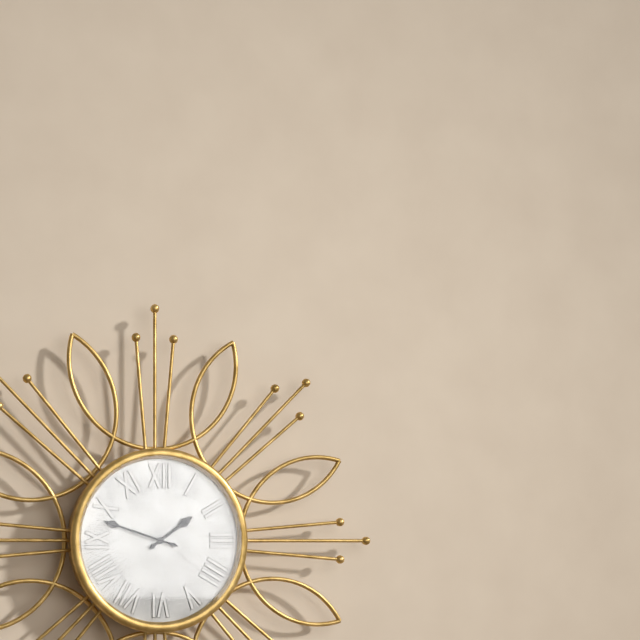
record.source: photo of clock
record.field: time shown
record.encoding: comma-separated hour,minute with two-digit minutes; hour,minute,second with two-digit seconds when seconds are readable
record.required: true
1,48
